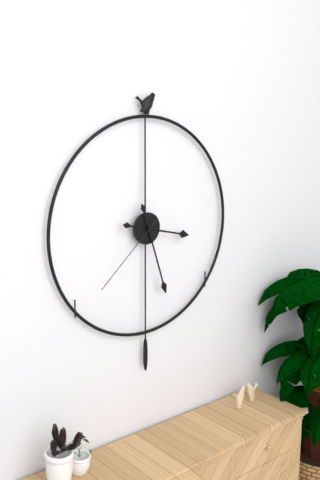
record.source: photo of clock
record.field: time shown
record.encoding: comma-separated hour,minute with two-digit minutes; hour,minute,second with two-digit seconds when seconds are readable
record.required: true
3,27,38
